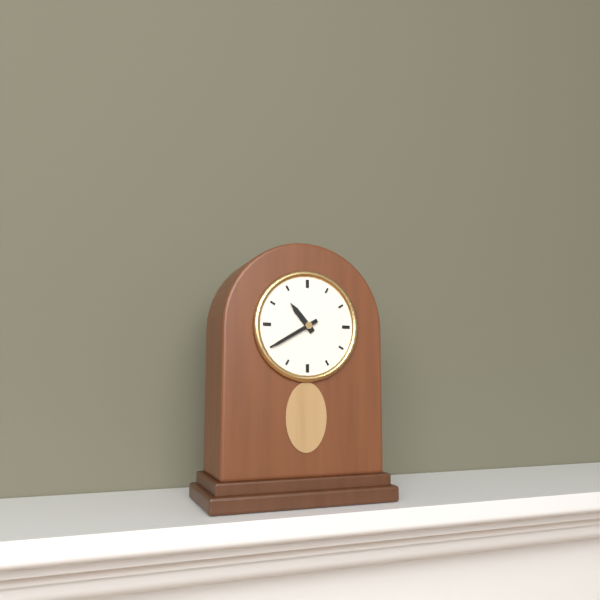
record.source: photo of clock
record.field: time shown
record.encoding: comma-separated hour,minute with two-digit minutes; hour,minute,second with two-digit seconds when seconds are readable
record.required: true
10,40
